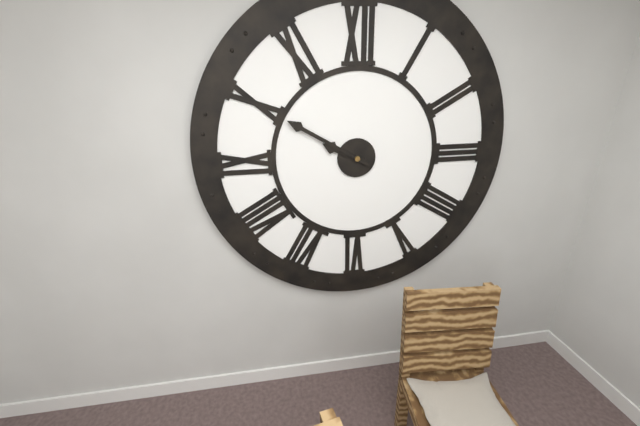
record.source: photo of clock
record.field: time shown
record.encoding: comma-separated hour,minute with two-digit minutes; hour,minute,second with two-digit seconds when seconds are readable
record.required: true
9,50
